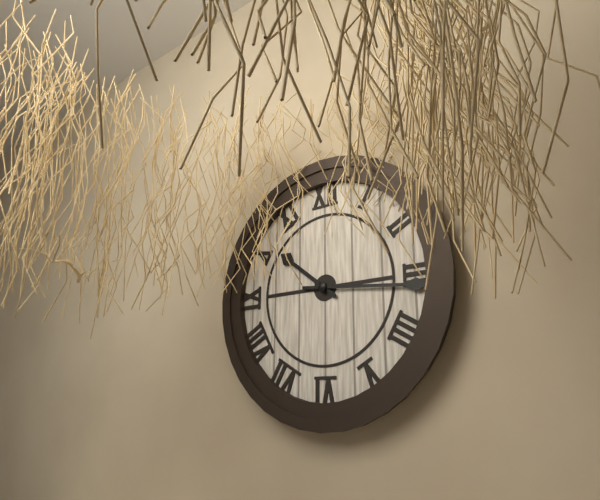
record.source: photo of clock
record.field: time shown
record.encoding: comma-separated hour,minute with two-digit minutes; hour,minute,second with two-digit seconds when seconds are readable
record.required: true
10,16
